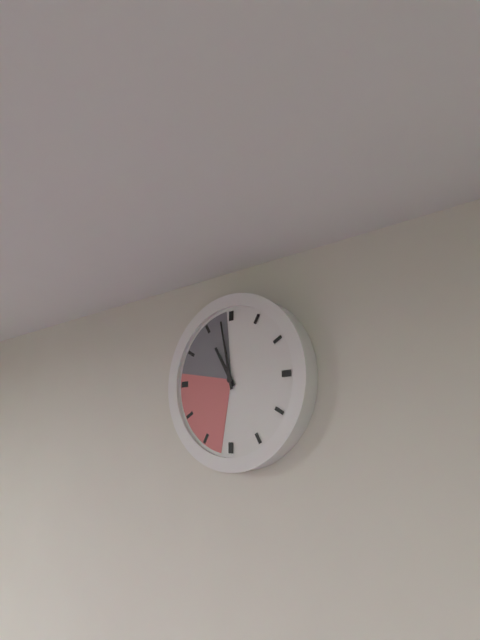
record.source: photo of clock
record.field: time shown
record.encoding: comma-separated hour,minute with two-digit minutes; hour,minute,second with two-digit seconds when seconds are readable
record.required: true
10,58
